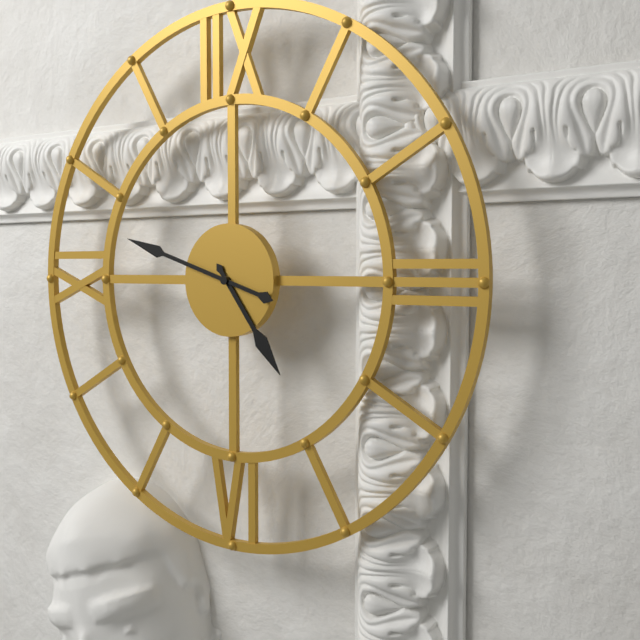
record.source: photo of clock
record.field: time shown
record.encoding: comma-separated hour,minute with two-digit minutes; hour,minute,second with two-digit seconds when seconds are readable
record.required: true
4,48
